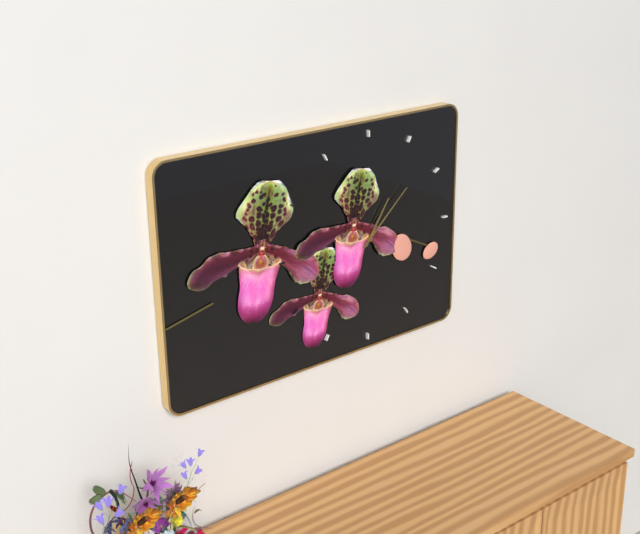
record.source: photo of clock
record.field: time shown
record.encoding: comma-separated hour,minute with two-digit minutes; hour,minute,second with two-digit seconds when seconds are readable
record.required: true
1,08
